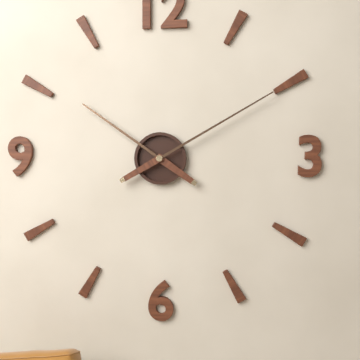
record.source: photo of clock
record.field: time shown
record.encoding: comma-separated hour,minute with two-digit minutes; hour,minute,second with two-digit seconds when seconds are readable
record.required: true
10,10
